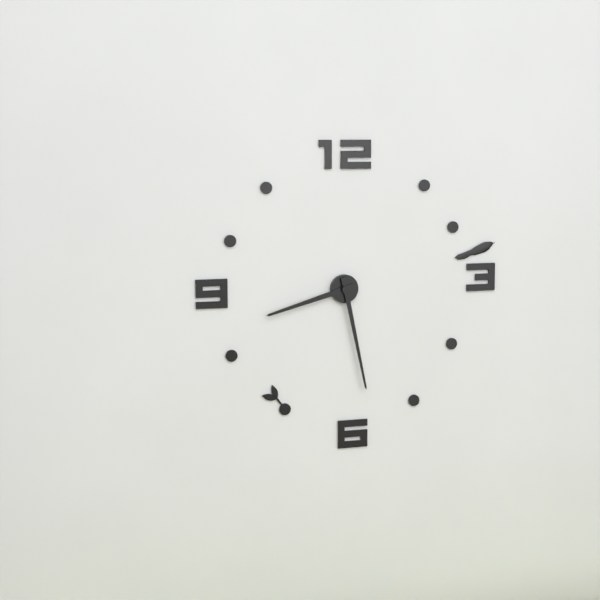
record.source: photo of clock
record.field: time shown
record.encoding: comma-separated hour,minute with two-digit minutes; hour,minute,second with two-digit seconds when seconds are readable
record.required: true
8,28
